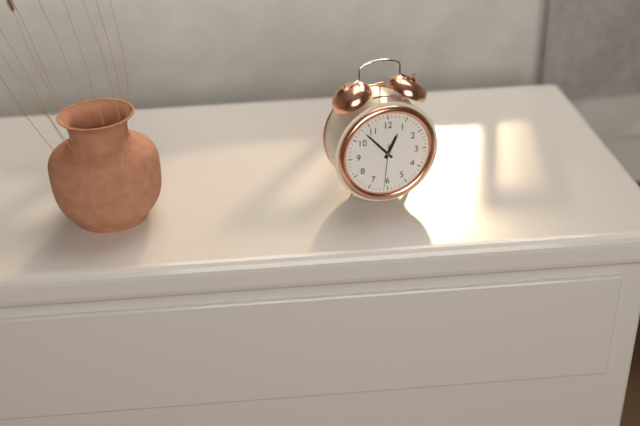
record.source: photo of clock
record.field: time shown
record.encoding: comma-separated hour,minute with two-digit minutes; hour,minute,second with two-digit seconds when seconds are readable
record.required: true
12,53
